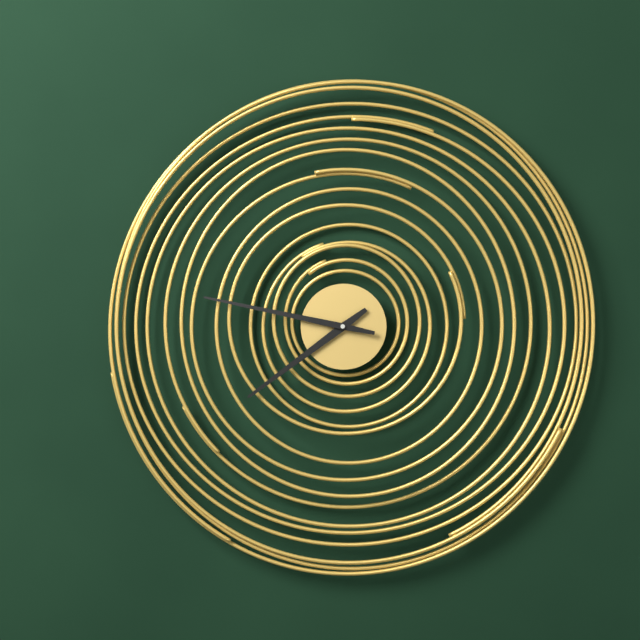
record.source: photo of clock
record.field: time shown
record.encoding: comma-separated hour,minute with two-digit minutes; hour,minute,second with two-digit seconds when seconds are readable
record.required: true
7,47
